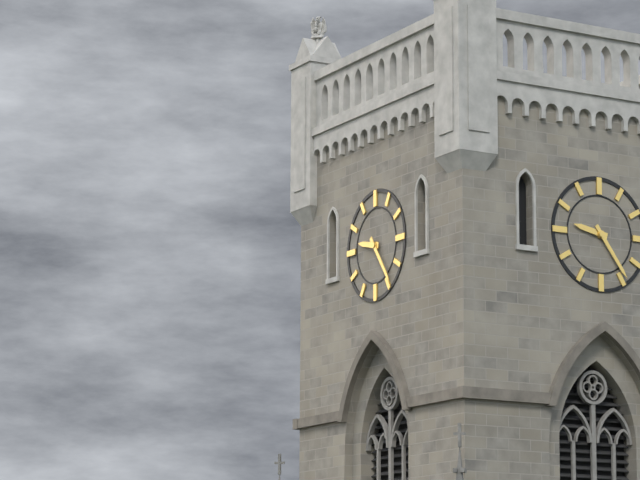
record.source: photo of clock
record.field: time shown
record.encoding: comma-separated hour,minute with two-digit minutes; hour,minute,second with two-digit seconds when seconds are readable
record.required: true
9,24
